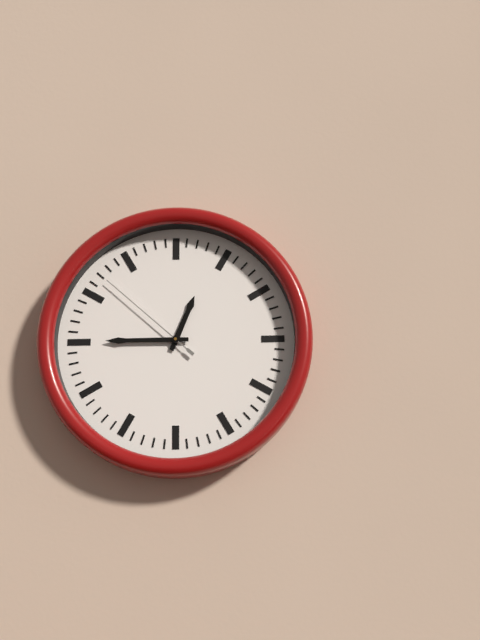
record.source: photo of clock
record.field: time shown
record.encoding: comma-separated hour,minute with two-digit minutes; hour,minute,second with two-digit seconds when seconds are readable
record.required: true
12,45,52
